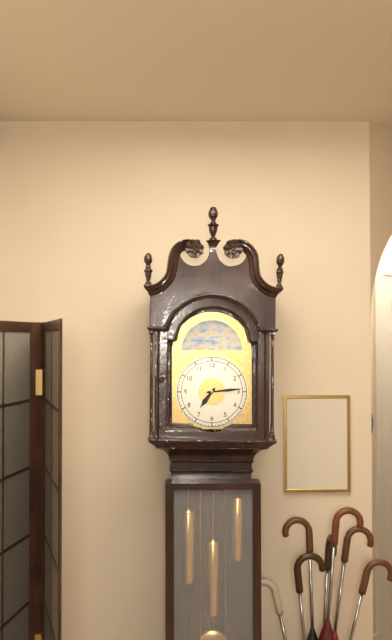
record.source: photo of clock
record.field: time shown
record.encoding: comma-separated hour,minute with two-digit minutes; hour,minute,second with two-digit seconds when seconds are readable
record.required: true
7,14
